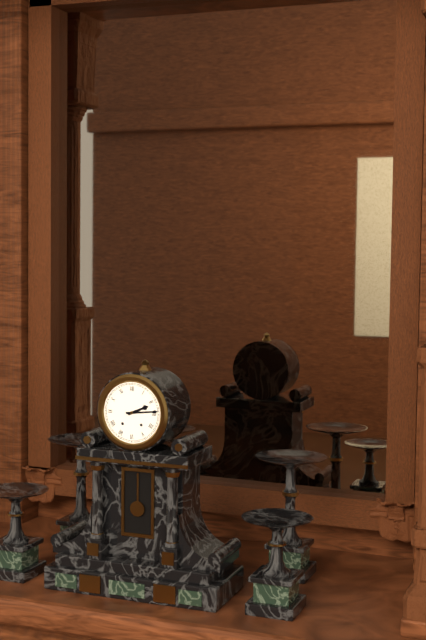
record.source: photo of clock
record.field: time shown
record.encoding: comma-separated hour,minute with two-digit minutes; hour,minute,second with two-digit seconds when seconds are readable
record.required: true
2,14
